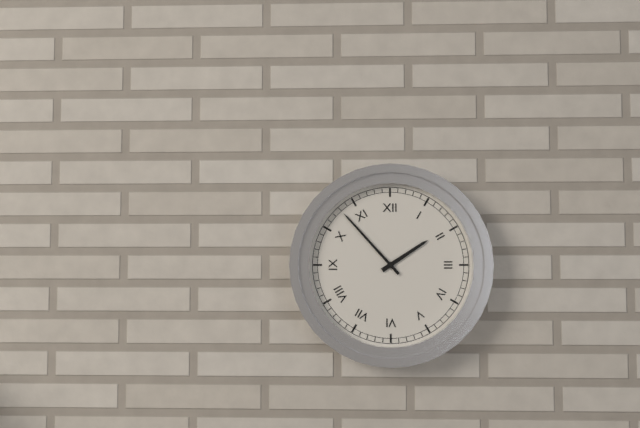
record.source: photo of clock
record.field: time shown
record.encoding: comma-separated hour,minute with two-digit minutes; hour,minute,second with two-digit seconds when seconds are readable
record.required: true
1,53
